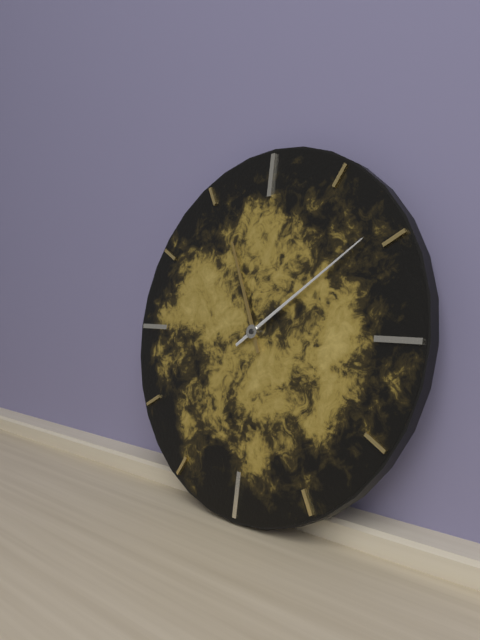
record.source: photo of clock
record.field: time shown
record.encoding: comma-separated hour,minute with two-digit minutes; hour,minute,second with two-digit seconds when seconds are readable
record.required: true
11,09
